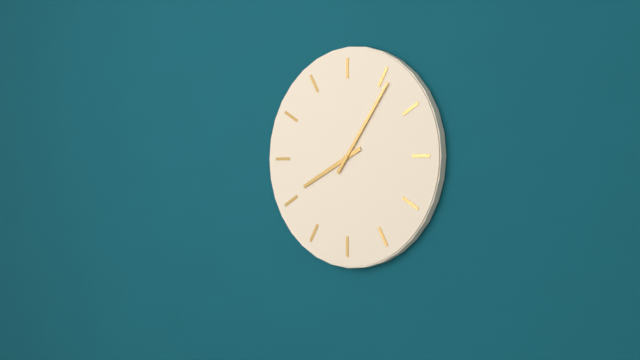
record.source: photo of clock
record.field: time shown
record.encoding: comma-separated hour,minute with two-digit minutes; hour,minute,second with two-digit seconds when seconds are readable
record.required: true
8,06
